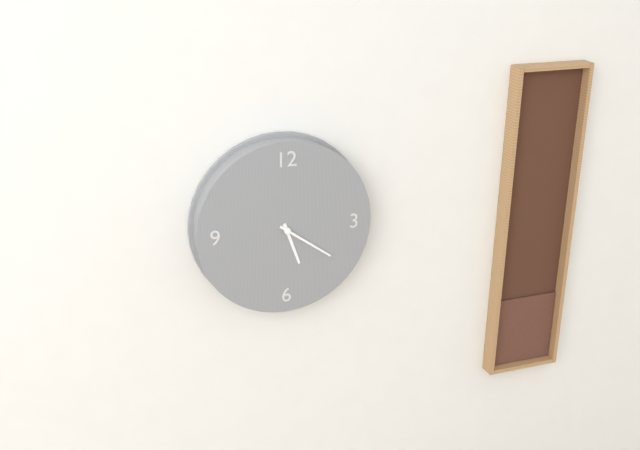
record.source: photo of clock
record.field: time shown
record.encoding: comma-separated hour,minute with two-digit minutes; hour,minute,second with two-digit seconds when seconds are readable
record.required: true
5,21
